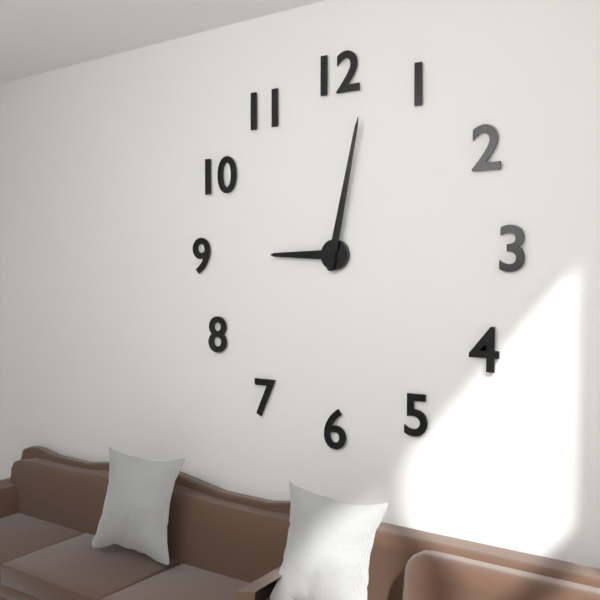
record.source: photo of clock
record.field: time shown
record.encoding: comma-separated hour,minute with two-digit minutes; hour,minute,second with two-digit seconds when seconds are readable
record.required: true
9,02
